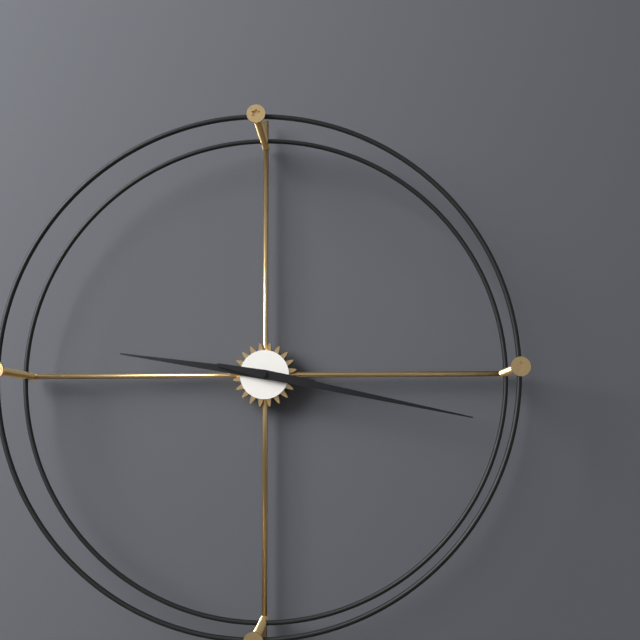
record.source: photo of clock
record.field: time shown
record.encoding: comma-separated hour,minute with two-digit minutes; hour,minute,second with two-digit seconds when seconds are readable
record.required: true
9,17
